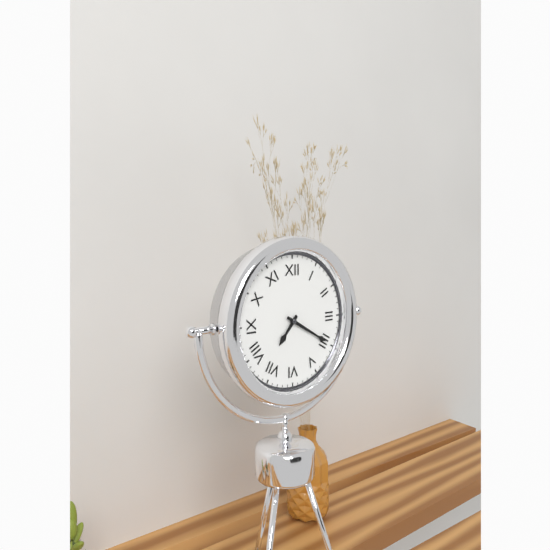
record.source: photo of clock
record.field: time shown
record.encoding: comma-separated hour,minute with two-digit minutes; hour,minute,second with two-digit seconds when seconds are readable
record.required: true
7,20
